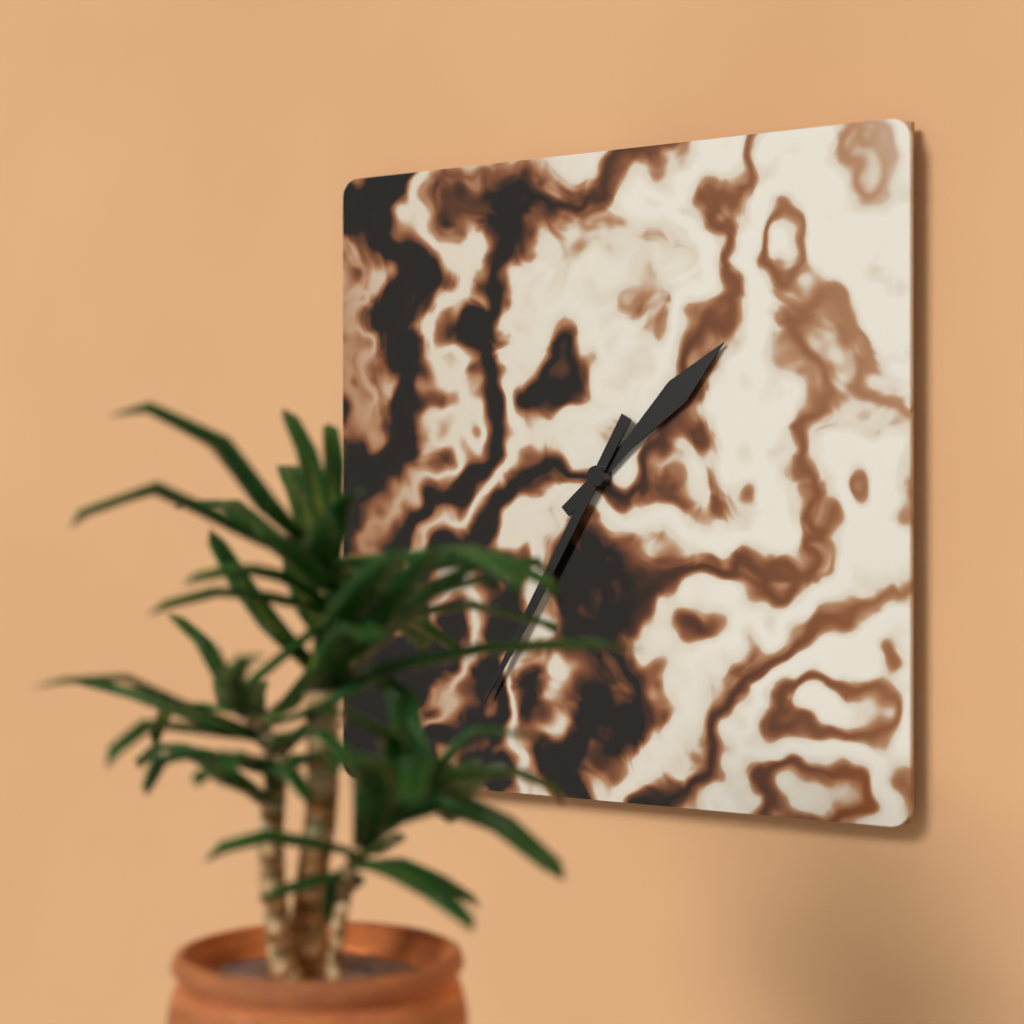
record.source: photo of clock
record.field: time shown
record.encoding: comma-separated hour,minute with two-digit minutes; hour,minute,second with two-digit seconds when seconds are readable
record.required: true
1,35
